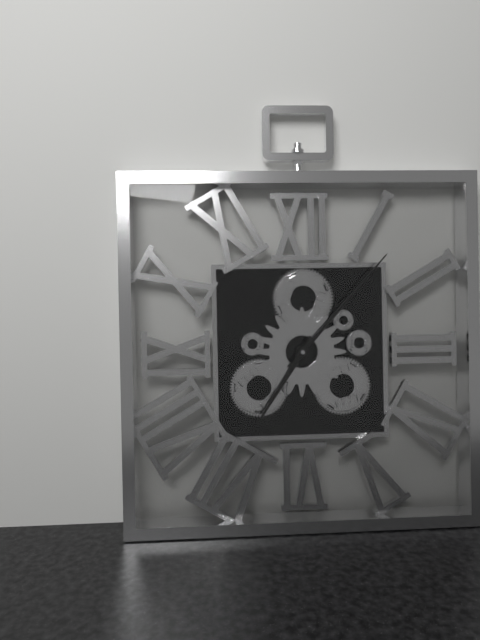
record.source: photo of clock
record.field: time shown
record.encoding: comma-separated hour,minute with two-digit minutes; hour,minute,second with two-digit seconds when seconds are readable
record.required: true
7,07
